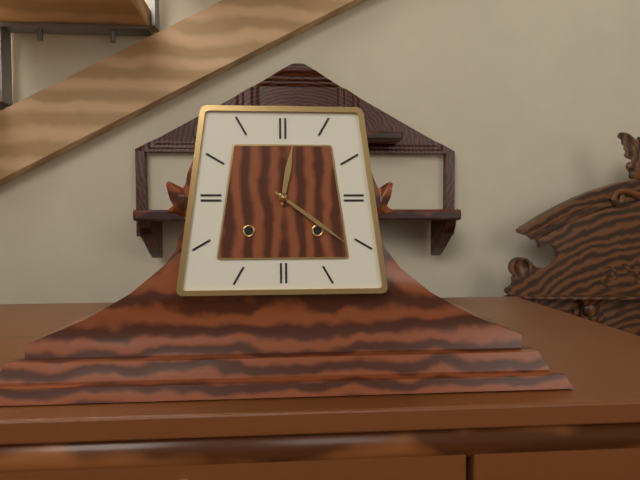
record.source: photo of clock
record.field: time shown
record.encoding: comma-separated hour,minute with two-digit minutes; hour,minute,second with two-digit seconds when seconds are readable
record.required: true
12,21
